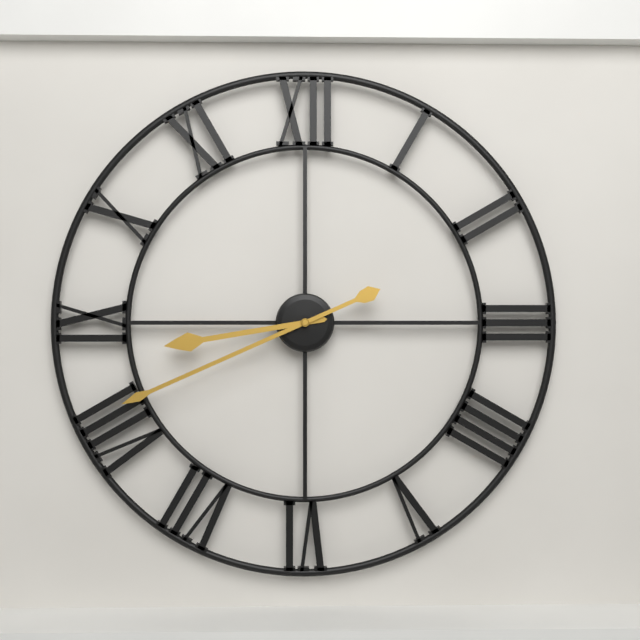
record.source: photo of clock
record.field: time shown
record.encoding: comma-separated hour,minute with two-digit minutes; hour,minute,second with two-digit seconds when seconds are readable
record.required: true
8,41
